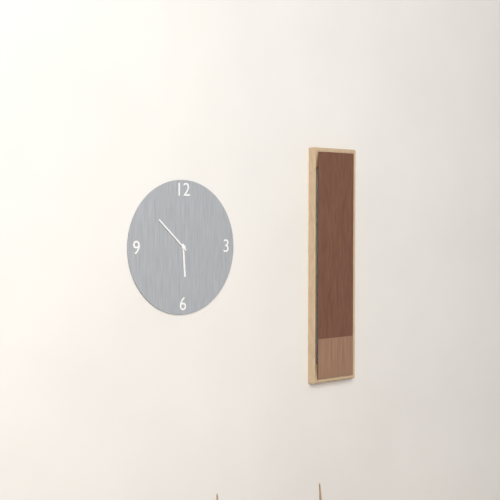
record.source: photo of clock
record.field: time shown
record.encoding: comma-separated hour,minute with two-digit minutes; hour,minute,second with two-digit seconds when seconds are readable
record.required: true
5,52
